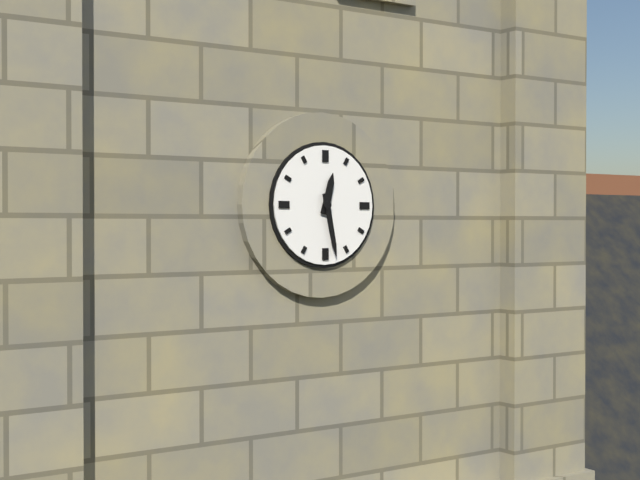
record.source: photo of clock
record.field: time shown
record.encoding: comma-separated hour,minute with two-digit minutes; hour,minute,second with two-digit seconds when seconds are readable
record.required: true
12,28
